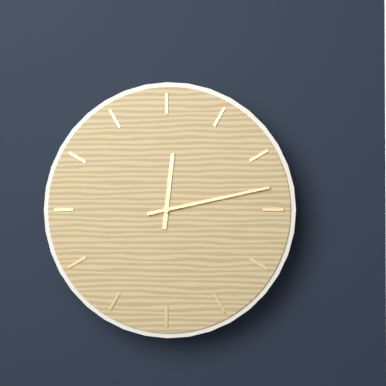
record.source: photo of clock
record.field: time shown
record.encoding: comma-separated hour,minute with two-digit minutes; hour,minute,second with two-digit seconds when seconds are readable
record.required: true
12,13
